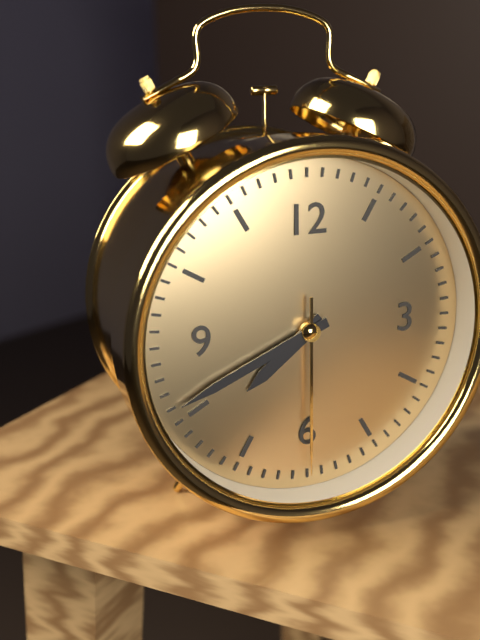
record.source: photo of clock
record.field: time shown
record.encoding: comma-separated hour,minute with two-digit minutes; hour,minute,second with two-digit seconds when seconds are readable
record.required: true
7,41,30
